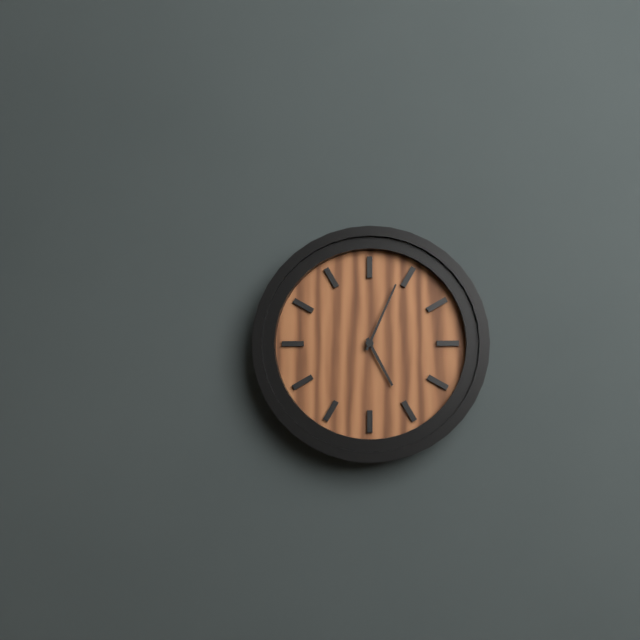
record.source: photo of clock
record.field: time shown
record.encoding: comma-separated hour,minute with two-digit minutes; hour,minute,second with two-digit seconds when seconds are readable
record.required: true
5,04
